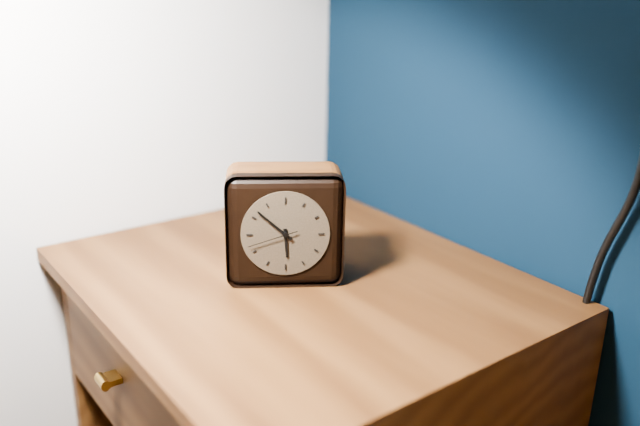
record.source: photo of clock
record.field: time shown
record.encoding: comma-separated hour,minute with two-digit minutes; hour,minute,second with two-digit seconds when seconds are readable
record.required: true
5,52
